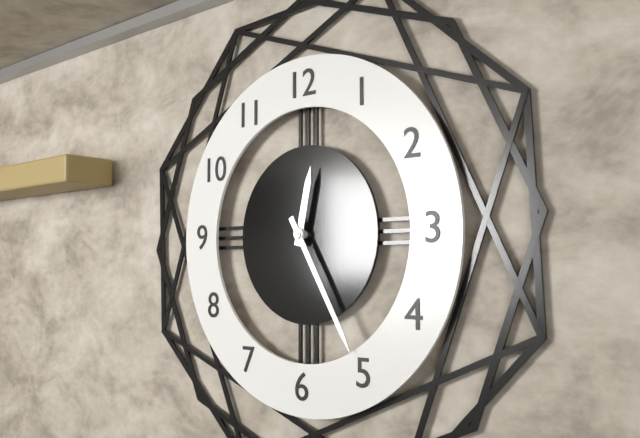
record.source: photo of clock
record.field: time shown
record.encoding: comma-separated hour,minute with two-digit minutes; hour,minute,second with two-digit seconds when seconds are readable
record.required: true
12,25
